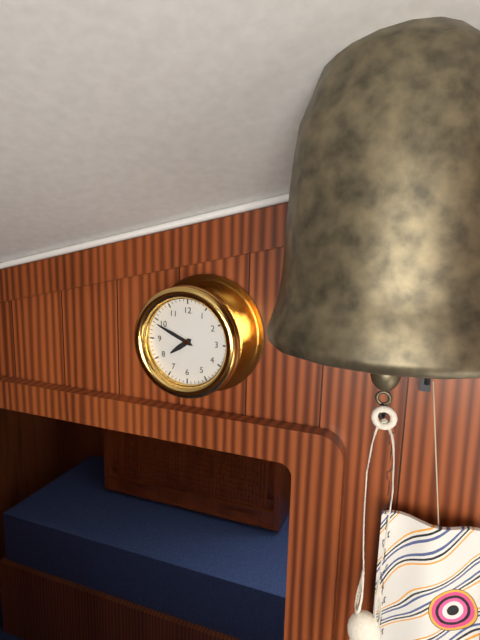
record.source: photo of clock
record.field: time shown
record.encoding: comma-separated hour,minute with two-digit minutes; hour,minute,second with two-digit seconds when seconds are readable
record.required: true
7,49
